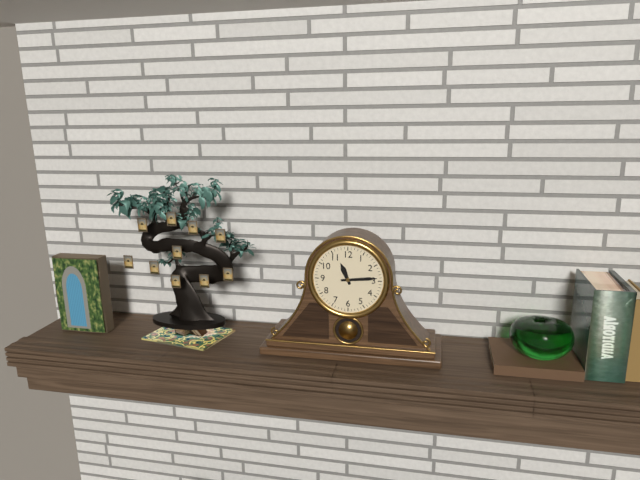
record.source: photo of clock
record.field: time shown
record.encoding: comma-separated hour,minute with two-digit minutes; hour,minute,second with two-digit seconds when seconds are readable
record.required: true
11,14
